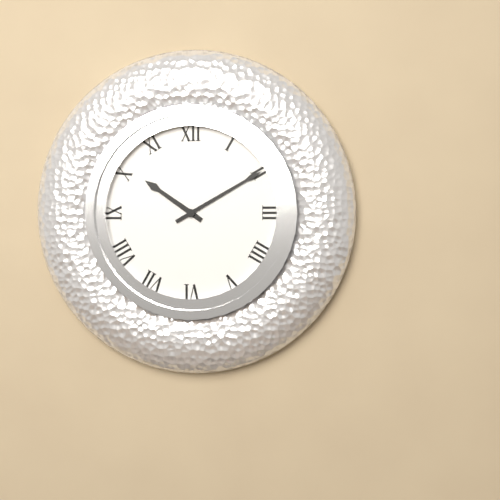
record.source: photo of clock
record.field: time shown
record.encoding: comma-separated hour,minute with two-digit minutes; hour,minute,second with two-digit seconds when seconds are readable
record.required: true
10,10
